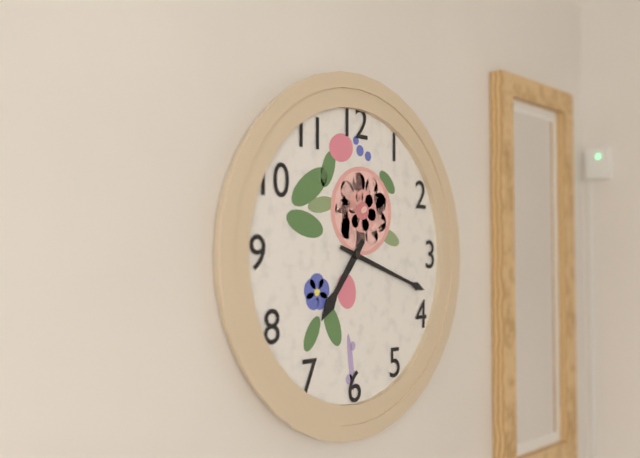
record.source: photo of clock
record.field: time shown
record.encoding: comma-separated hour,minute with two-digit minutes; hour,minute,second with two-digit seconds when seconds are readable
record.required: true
7,18
